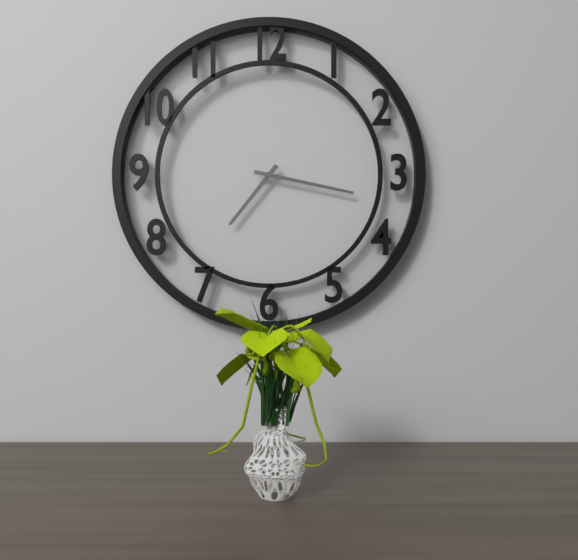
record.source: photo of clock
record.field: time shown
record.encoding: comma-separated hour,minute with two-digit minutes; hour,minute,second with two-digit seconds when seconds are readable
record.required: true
7,17
